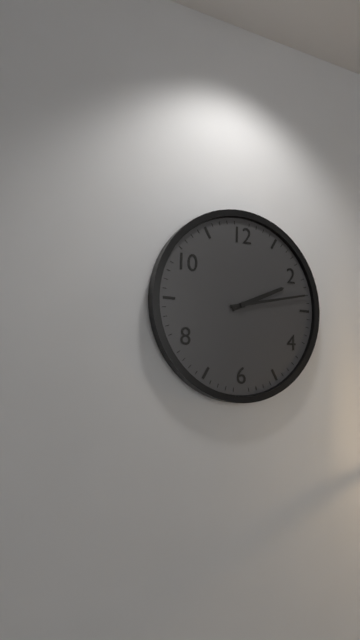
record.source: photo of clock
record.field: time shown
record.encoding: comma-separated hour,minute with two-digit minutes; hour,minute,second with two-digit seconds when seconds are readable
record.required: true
2,13
